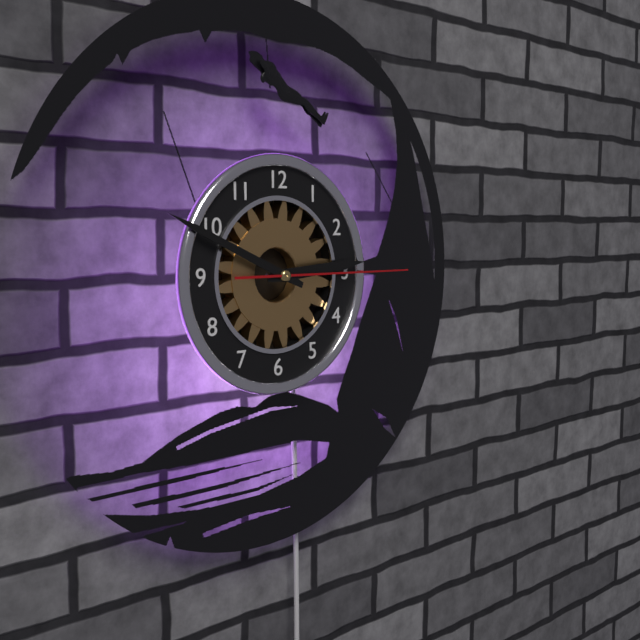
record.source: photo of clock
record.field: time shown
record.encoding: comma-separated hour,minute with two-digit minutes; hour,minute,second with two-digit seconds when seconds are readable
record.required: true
2,49,15
